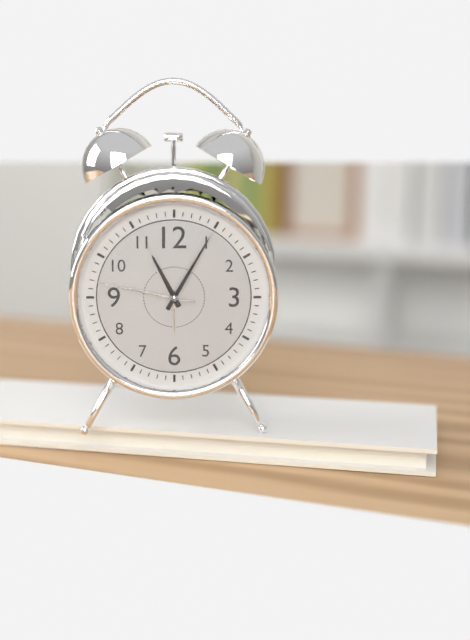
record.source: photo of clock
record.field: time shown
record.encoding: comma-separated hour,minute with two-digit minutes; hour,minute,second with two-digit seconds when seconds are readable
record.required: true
11,05,47
